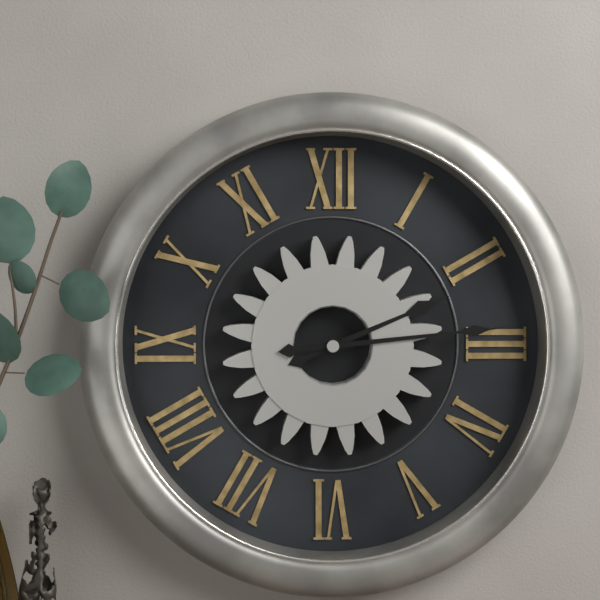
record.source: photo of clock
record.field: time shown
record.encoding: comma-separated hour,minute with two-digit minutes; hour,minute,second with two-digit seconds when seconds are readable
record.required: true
2,14
